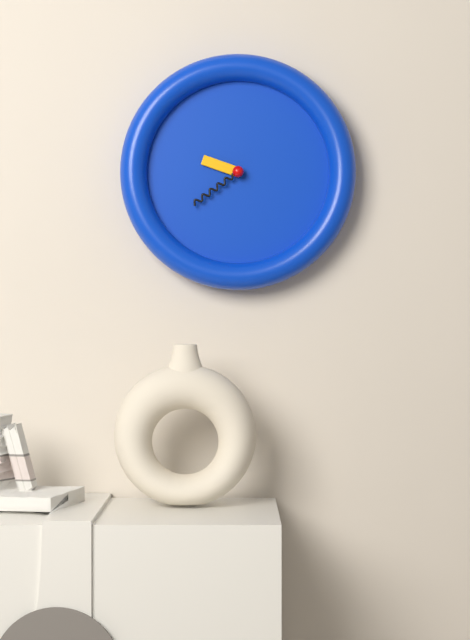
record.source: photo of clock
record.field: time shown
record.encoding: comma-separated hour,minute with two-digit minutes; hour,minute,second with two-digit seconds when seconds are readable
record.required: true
9,39
